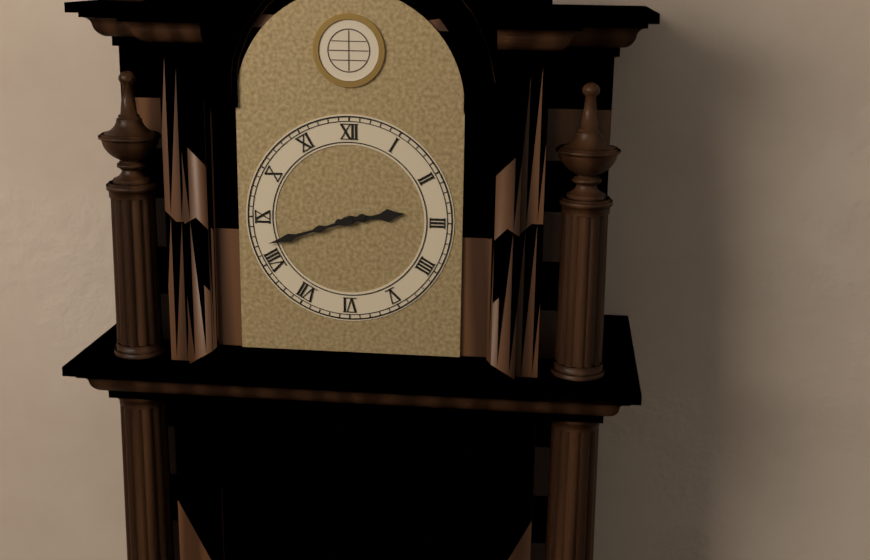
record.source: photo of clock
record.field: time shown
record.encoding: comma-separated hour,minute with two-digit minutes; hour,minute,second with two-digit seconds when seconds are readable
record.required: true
2,42
